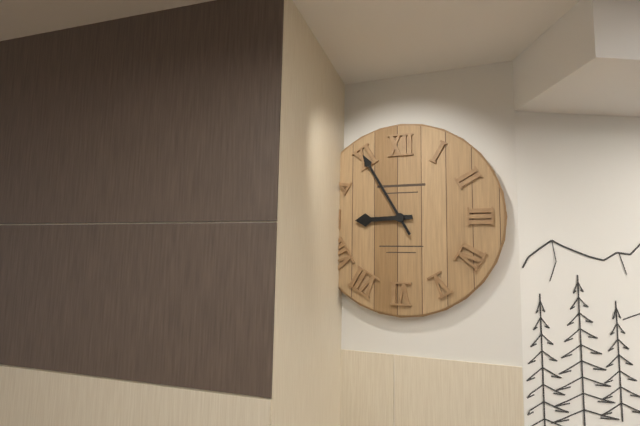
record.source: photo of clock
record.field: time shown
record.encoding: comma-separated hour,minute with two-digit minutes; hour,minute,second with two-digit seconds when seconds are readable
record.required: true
8,55
